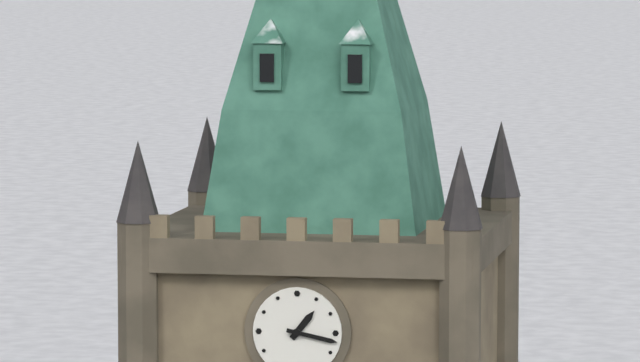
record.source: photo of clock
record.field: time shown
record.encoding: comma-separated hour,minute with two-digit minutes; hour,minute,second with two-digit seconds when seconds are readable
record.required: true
1,17
